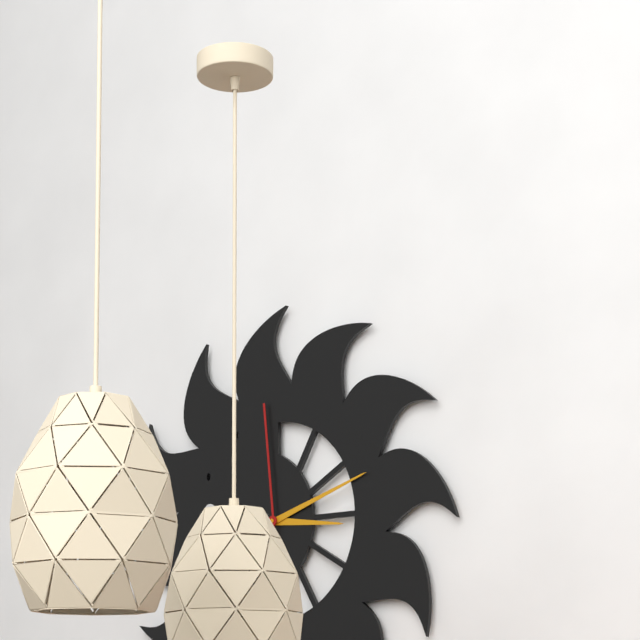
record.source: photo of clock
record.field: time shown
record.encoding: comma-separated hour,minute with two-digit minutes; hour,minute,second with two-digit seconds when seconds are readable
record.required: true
3,12,59
